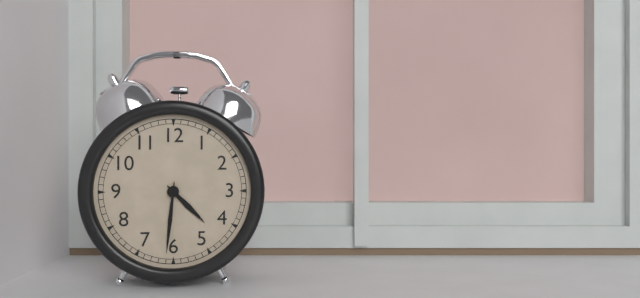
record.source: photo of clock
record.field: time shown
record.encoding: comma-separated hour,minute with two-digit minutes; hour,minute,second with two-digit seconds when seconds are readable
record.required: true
4,31
